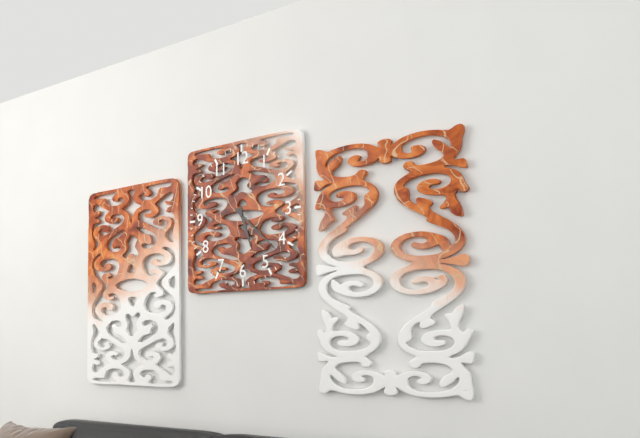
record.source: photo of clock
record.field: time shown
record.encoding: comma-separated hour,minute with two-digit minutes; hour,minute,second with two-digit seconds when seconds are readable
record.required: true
5,22
